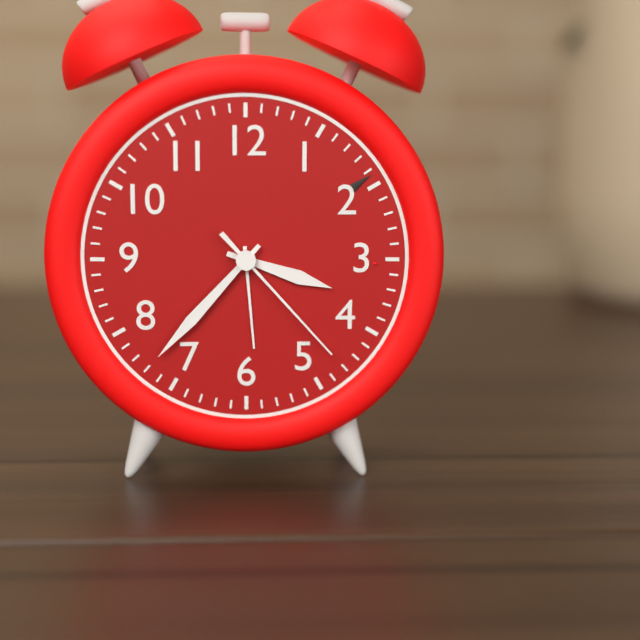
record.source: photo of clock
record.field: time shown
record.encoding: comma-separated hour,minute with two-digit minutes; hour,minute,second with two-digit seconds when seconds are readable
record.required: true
3,37,23
